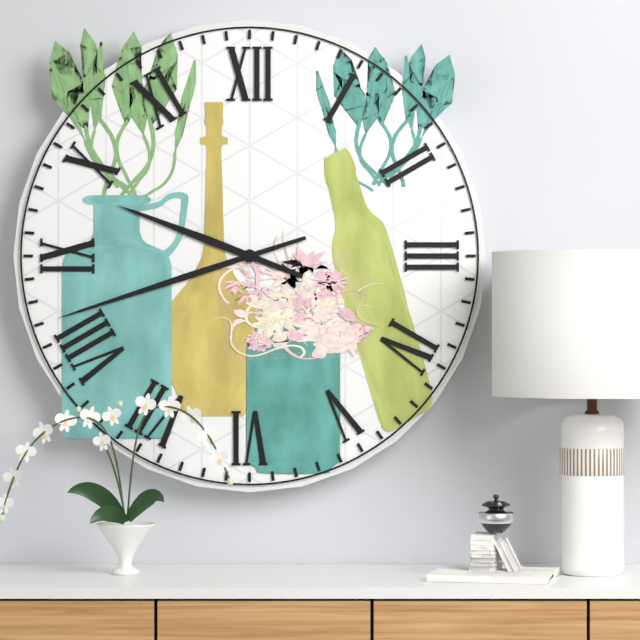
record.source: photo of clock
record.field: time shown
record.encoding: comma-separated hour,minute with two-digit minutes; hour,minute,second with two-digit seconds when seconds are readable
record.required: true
9,42
